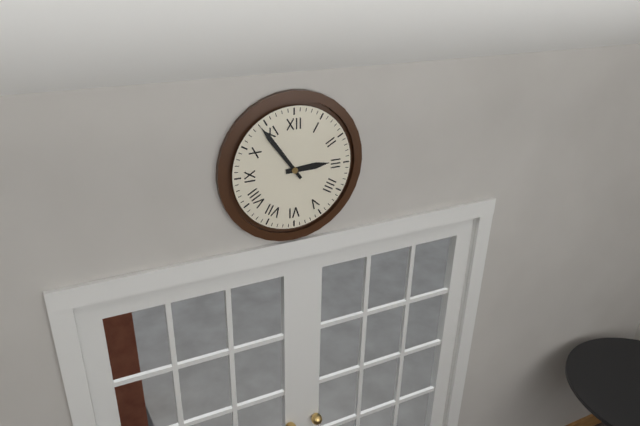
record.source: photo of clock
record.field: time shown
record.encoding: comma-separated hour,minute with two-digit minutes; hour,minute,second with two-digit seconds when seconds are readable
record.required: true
2,54
